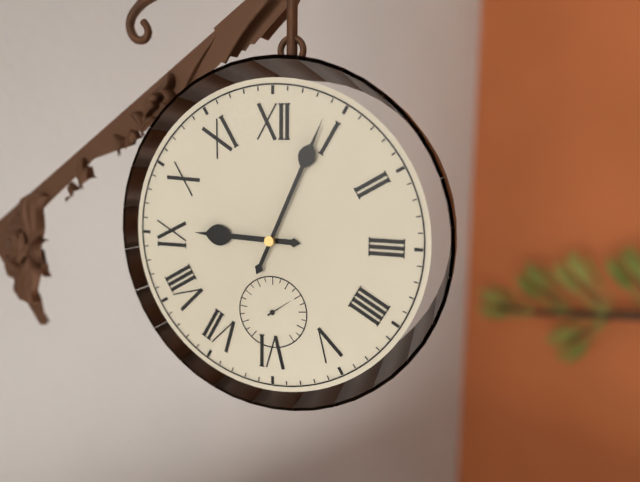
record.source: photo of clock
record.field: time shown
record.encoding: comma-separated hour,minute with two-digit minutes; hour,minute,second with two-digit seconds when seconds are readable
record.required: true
9,04
